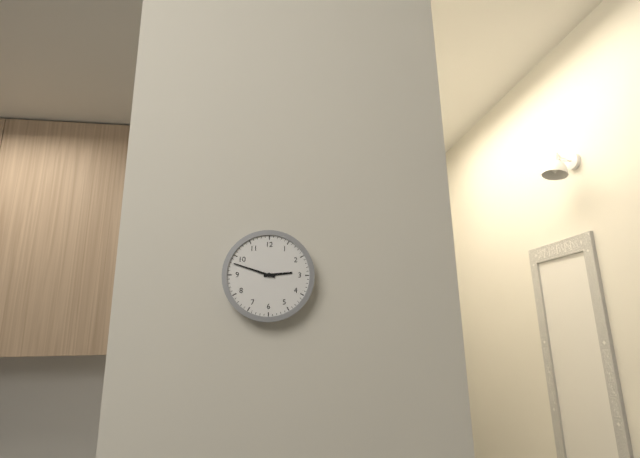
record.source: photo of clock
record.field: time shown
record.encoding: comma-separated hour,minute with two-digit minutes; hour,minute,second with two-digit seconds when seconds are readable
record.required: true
2,48
